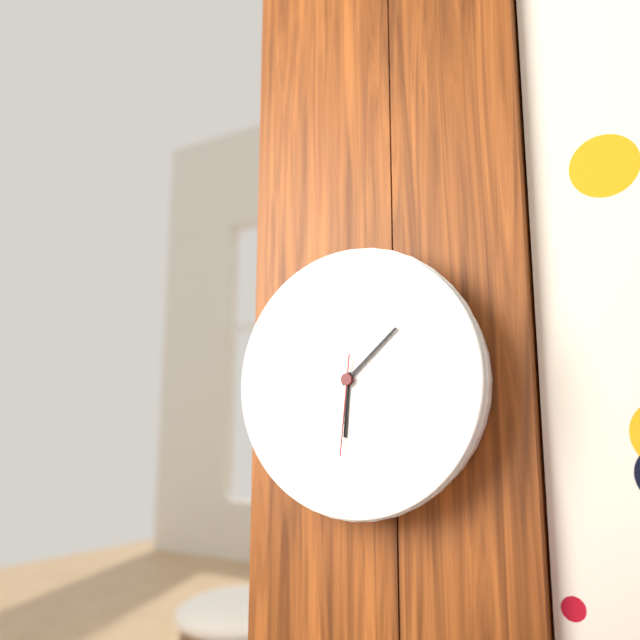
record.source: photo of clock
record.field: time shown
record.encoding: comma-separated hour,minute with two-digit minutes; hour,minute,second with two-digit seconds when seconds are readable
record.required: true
6,08,31
